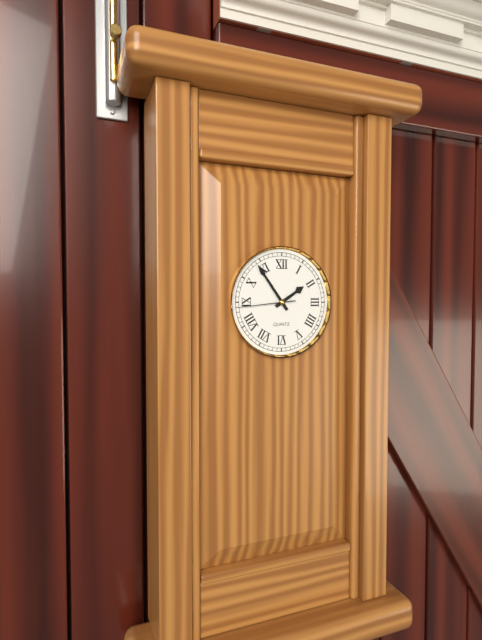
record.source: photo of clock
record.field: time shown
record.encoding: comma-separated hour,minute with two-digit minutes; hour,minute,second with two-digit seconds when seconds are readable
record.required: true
1,54,44
